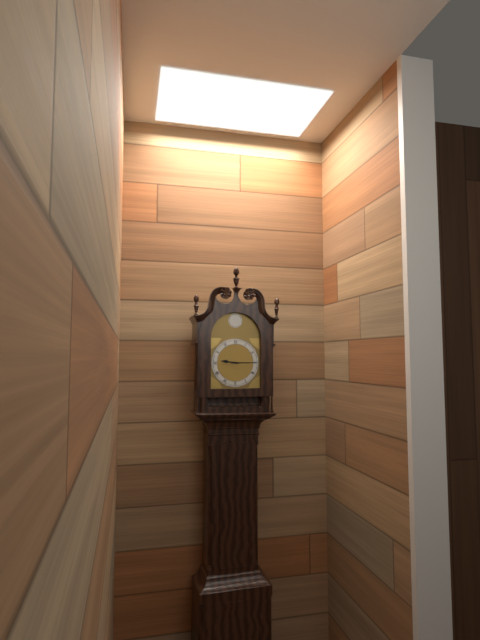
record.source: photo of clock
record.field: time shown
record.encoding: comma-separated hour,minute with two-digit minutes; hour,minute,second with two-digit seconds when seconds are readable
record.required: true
9,15
